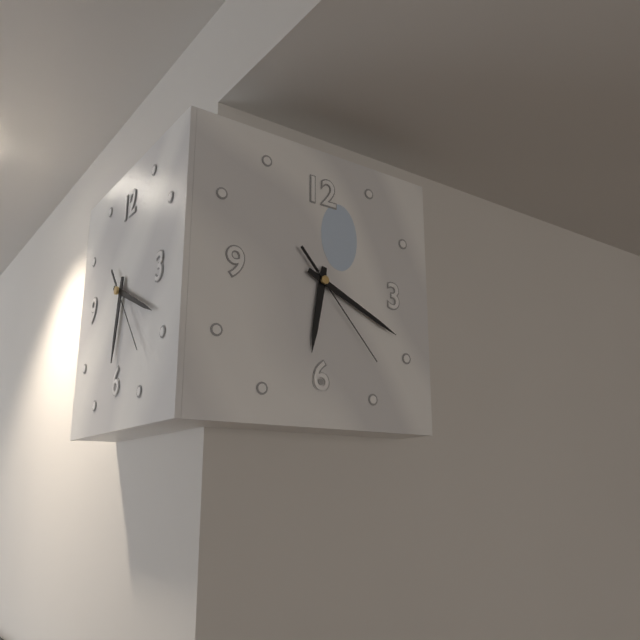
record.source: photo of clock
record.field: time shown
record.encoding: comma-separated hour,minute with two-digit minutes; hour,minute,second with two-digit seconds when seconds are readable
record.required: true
6,19,23
